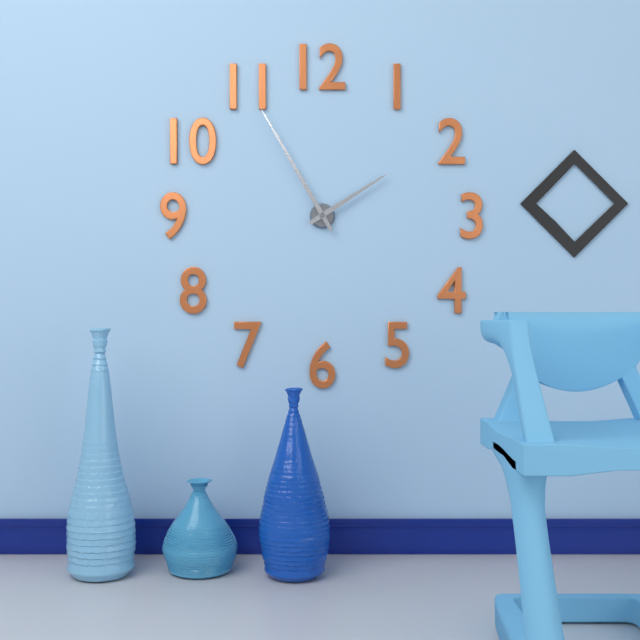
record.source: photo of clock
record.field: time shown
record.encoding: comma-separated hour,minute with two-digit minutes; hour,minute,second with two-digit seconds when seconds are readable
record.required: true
1,55
